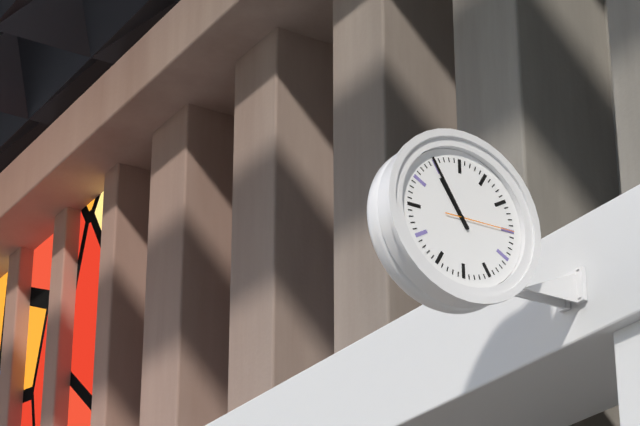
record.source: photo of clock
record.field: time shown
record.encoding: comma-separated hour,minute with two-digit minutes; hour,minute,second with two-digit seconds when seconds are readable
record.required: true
10,55,15
